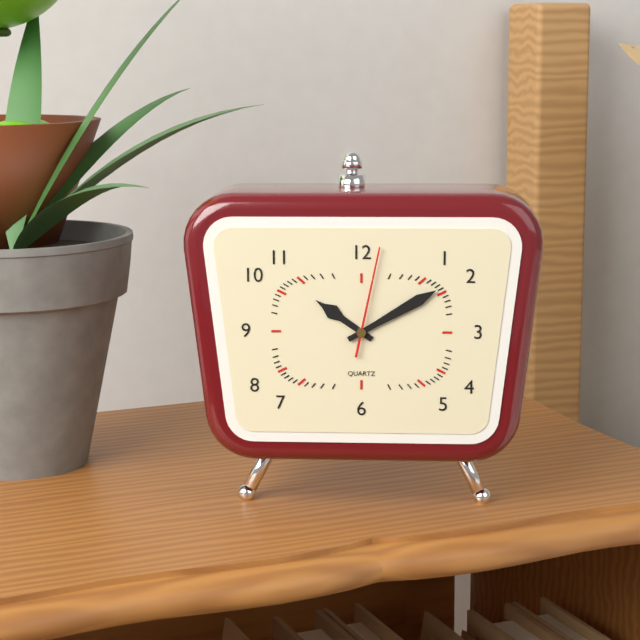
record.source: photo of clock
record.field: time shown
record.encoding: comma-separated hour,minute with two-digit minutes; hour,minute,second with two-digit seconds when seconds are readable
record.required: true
10,10,02
